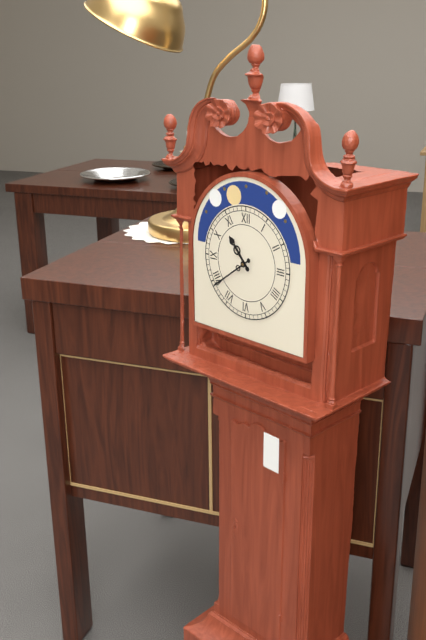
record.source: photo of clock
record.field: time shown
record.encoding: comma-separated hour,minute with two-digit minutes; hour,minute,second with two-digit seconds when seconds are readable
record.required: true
10,39
